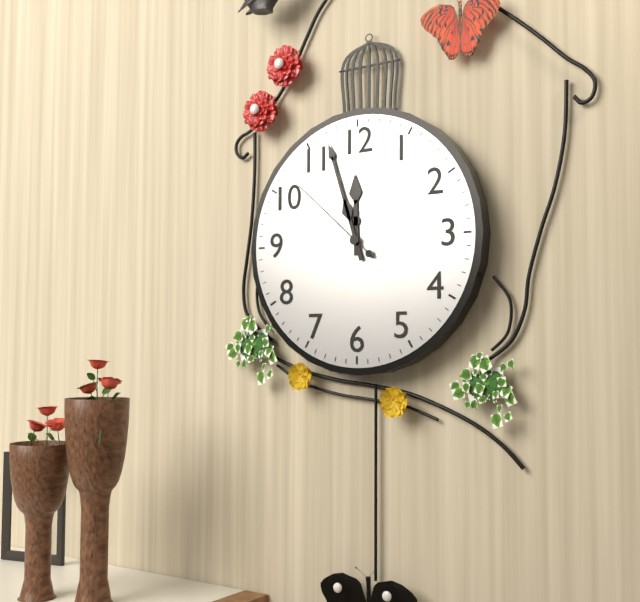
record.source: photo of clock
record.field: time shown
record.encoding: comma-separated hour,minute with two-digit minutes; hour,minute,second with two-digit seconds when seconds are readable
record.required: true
11,57,52
